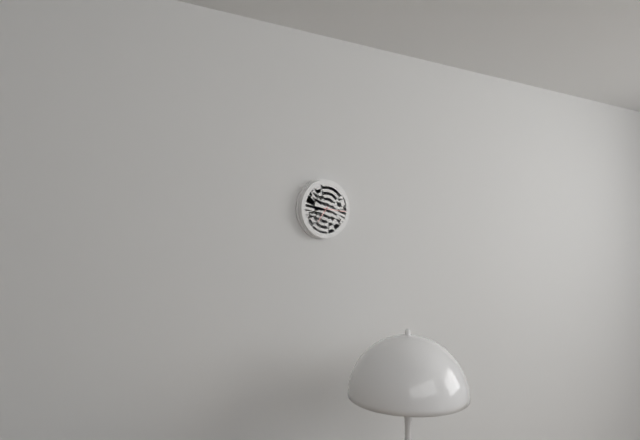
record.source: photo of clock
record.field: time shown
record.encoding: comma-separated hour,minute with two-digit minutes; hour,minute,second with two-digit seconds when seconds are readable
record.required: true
7,16
